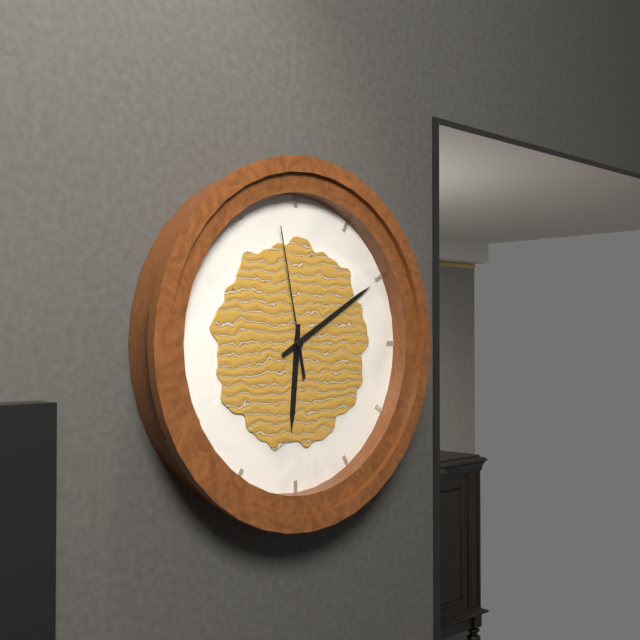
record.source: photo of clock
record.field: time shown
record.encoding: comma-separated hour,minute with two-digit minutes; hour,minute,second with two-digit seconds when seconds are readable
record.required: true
6,10,58
